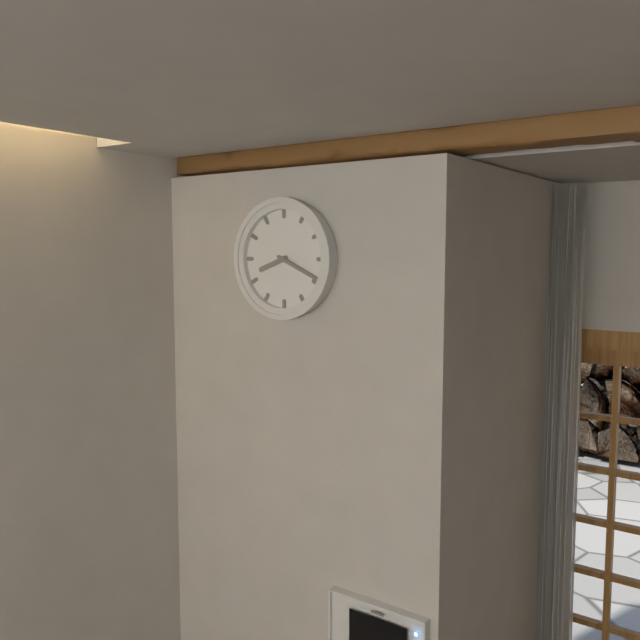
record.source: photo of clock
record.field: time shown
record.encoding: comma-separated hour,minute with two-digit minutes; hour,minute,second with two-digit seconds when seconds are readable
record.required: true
8,19
